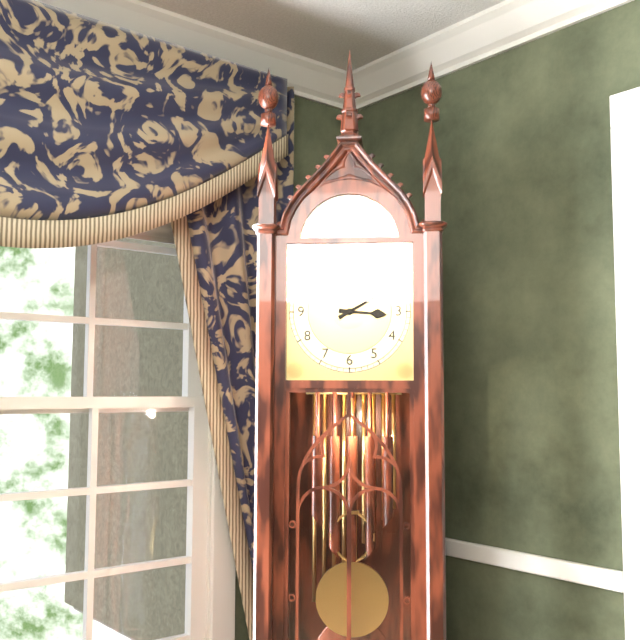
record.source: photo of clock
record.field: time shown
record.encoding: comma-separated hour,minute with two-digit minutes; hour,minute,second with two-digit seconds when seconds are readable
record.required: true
3,10
